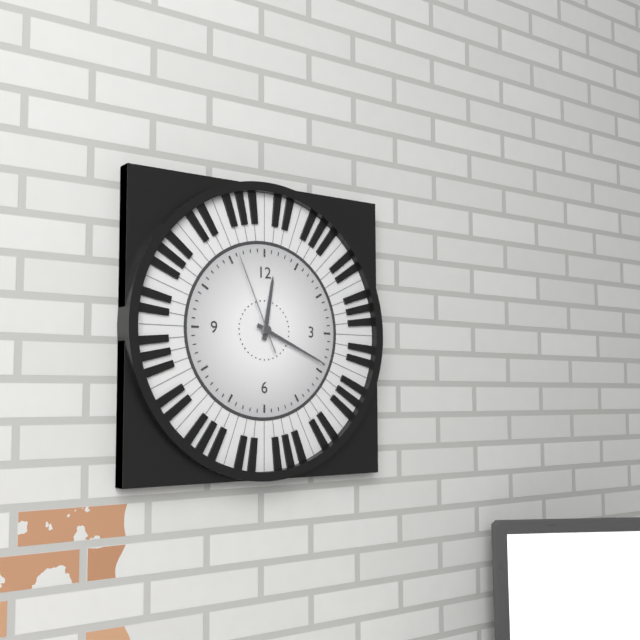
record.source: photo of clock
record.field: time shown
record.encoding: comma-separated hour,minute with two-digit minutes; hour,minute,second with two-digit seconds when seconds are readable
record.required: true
12,19,56
